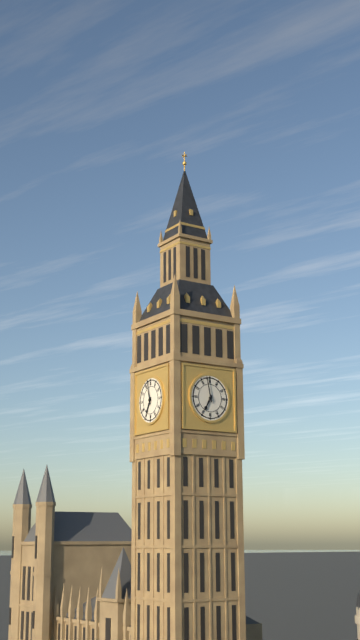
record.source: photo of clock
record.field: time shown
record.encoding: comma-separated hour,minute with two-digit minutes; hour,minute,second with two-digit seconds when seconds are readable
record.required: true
6,58
